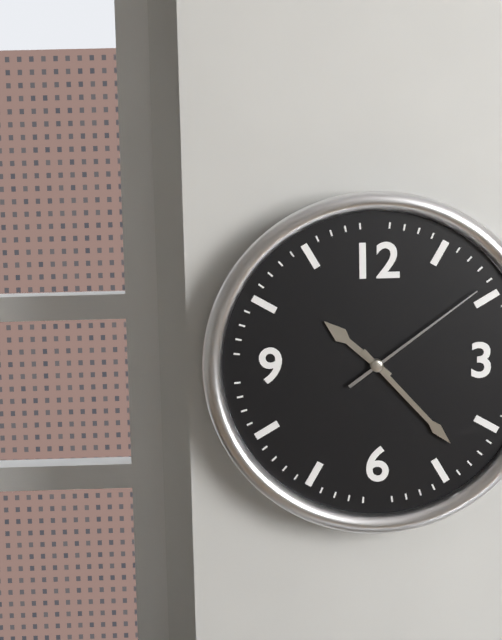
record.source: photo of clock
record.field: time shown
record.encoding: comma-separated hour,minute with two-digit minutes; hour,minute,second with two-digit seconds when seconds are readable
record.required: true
10,23,09
